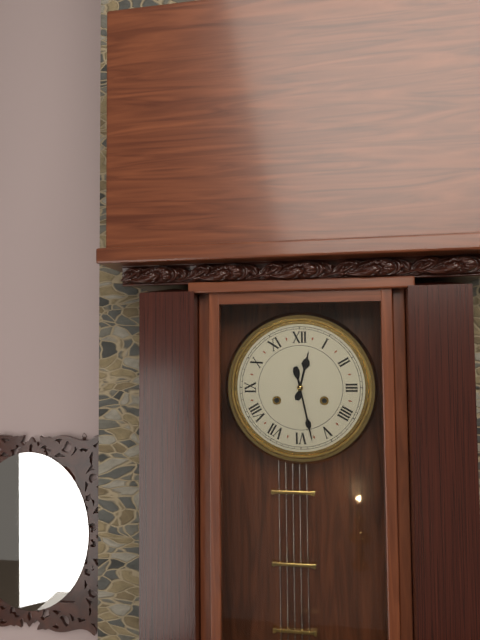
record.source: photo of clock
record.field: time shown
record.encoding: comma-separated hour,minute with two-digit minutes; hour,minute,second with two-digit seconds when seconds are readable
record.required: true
12,28
